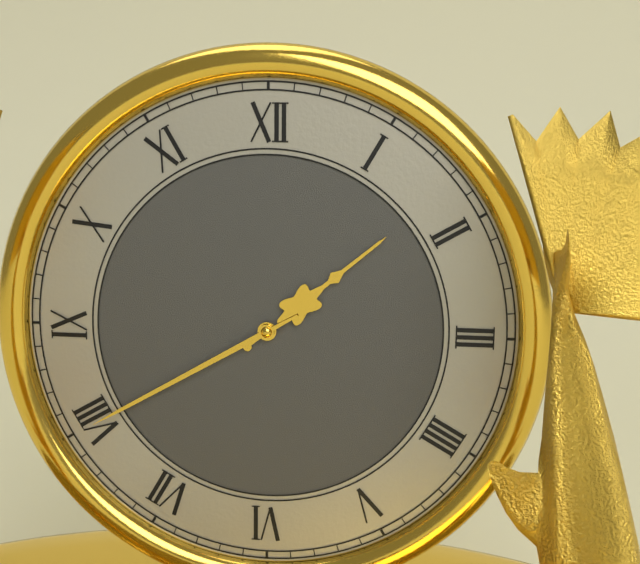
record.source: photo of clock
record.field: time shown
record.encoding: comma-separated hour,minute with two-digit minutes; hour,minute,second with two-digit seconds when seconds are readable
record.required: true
1,40
